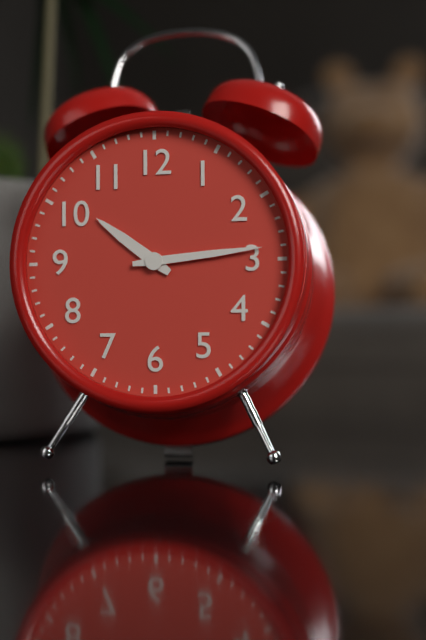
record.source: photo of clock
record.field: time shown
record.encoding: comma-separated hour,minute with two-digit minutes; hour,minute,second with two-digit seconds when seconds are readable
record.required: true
10,14
